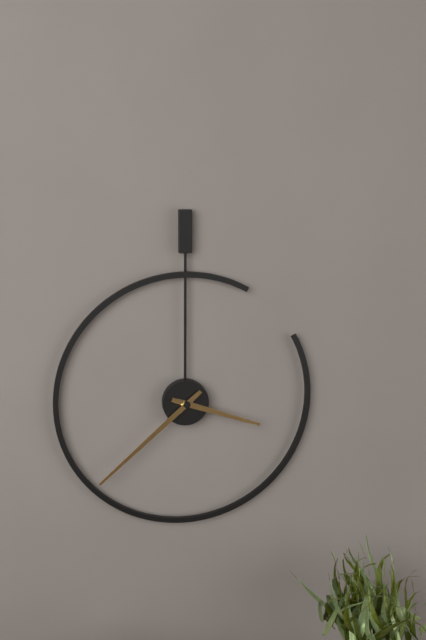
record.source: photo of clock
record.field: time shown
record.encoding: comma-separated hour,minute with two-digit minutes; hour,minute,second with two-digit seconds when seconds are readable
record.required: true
3,38
